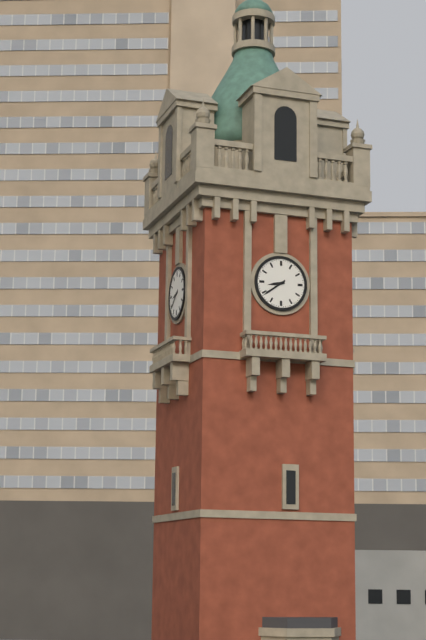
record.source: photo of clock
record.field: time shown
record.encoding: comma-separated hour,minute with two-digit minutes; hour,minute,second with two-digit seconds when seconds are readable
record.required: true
8,39
